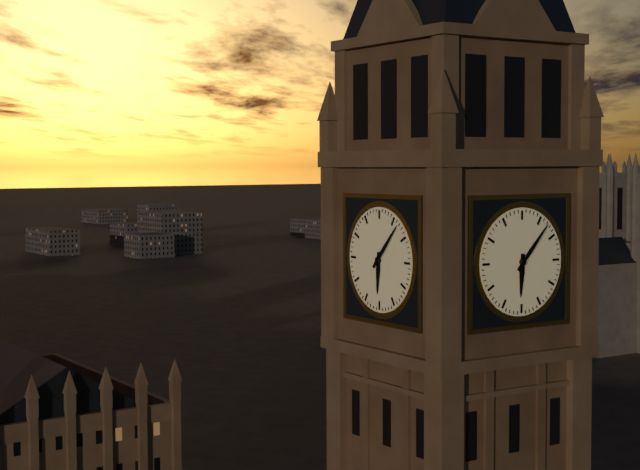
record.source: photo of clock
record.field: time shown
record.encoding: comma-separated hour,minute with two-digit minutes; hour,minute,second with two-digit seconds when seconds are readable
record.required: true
6,07
